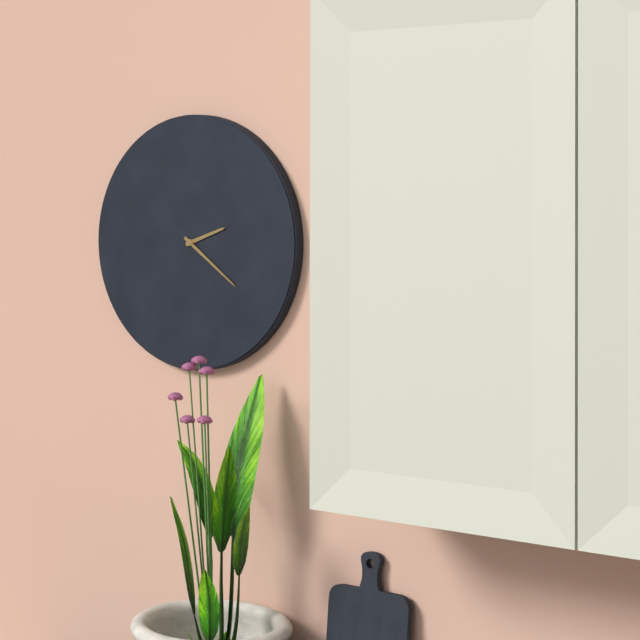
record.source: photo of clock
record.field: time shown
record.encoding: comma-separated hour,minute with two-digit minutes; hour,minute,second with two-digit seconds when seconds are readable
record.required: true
2,21
